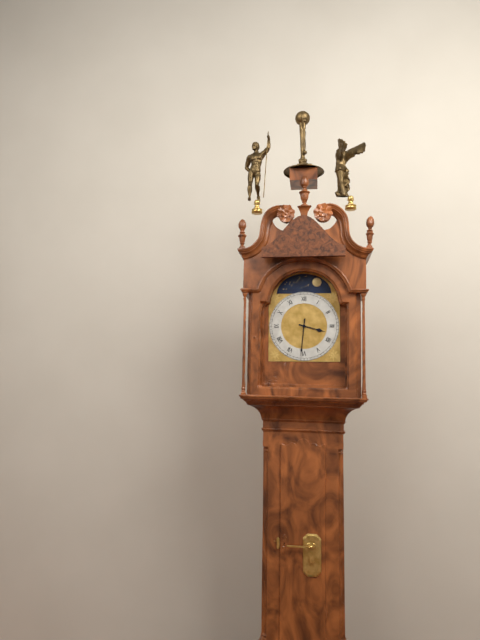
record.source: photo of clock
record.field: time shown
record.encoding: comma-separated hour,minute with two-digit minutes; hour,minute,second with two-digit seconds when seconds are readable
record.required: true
3,31
